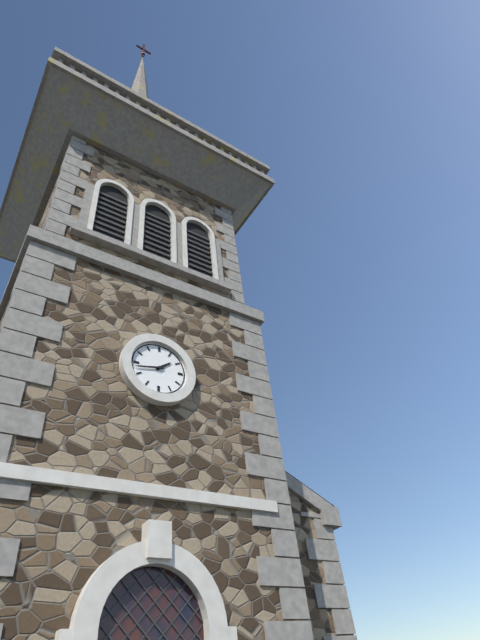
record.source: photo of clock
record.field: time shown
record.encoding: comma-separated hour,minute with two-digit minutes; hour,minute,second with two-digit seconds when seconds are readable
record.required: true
1,43
